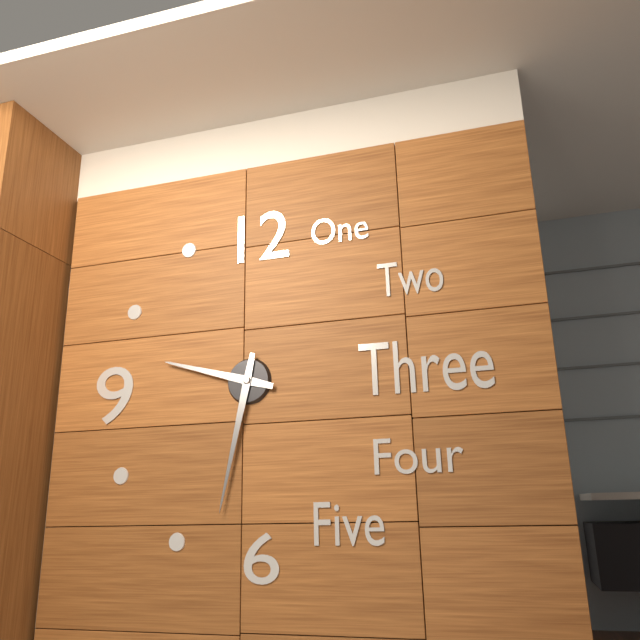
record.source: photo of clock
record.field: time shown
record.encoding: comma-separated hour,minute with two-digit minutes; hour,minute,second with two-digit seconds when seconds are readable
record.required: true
9,32
